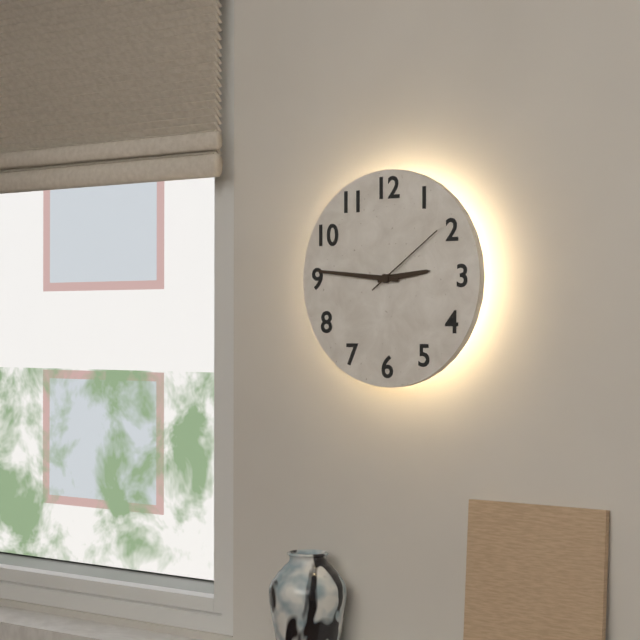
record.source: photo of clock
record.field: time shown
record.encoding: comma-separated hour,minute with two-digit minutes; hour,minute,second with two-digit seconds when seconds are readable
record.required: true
2,46,09
